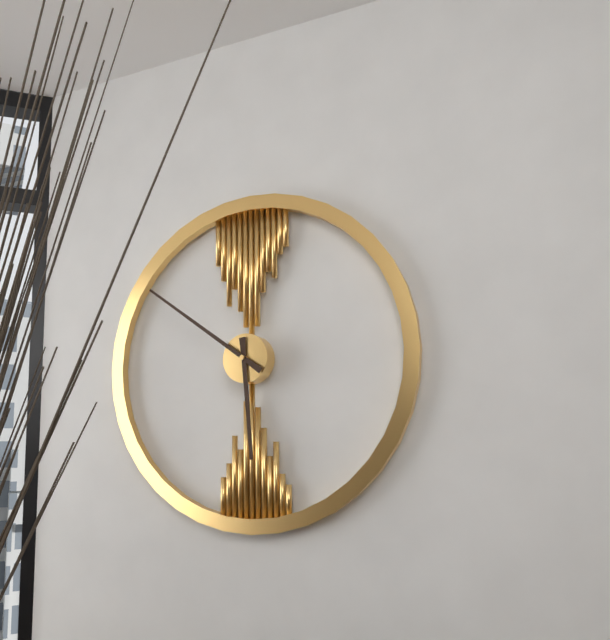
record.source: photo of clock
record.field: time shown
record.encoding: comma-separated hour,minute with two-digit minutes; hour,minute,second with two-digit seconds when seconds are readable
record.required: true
5,51
